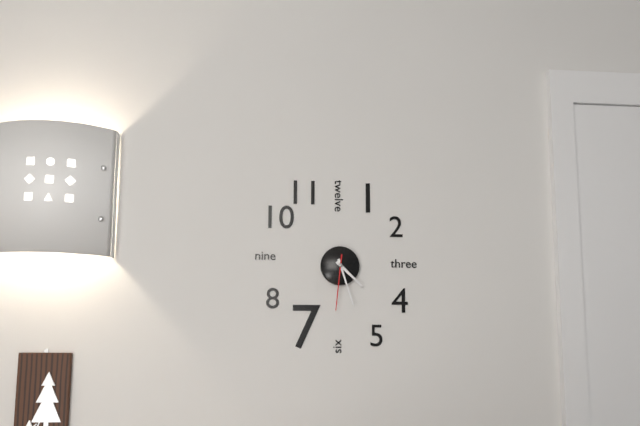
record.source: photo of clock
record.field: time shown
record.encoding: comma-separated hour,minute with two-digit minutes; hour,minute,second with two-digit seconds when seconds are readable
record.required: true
4,27,31
